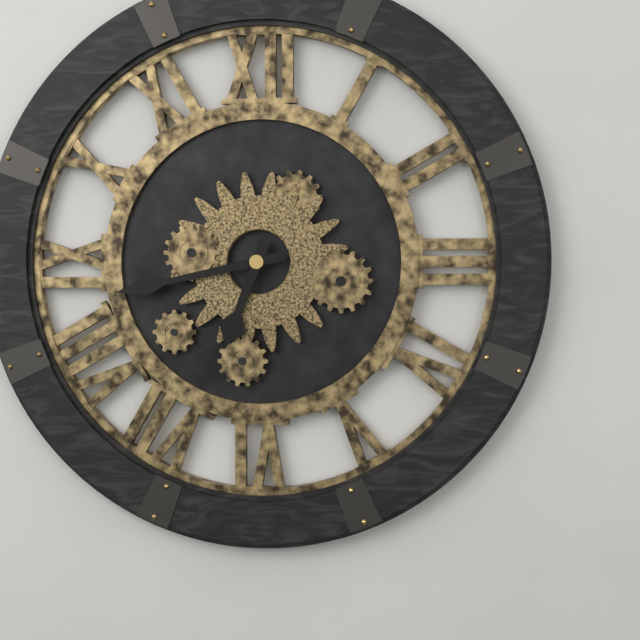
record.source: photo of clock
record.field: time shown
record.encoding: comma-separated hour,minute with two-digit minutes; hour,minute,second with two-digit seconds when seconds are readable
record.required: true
6,43
